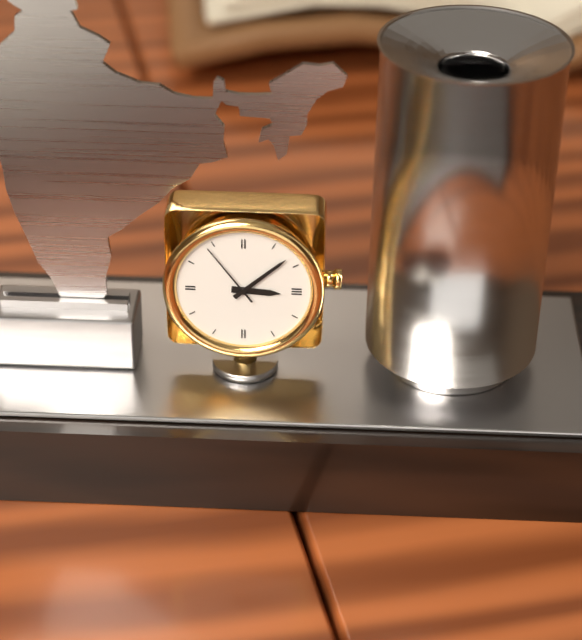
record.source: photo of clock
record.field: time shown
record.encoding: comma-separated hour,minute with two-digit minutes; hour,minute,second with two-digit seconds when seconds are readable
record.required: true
3,08,54
